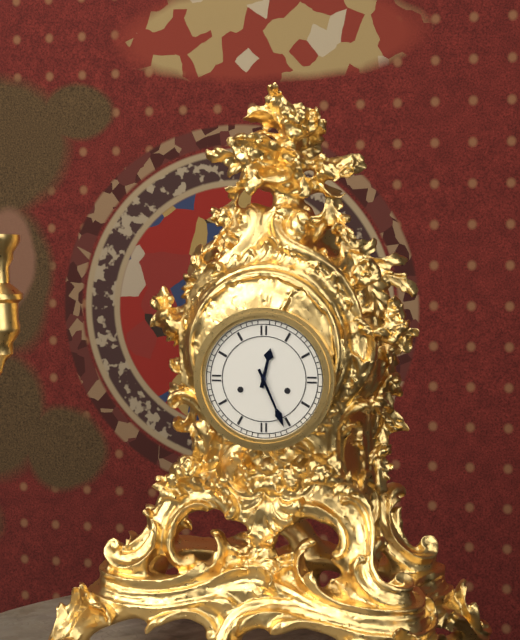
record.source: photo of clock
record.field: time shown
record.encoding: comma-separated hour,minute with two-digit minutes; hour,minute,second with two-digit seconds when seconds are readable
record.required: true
12,26
